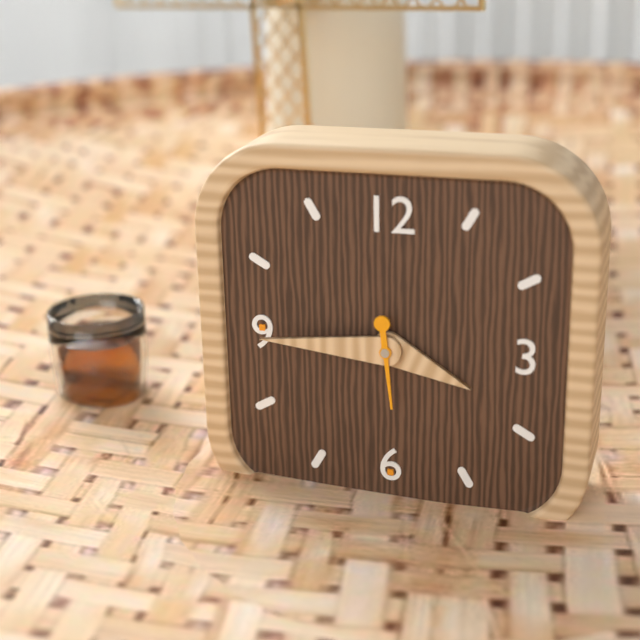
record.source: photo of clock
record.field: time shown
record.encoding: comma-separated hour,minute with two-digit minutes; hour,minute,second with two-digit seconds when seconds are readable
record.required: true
3,45,29
